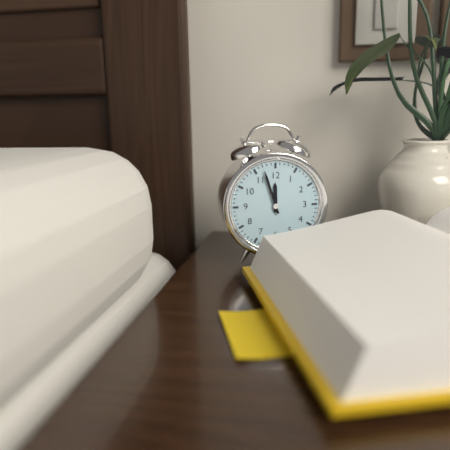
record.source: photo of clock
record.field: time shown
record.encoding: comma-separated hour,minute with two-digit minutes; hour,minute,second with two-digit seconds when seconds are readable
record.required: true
11,57
